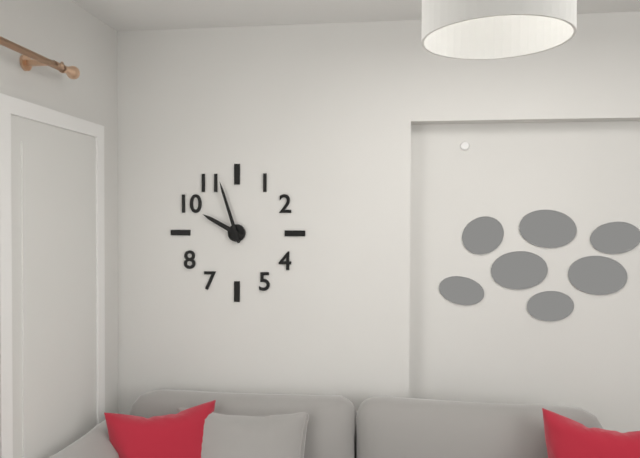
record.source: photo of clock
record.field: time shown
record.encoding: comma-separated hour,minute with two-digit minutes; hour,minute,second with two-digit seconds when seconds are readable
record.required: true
9,57
